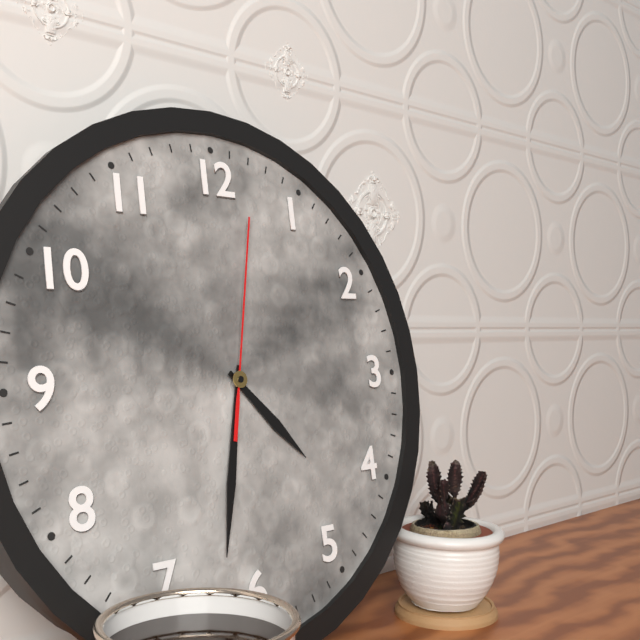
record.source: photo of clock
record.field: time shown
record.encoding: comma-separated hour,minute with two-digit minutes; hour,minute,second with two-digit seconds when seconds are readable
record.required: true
4,32,02
